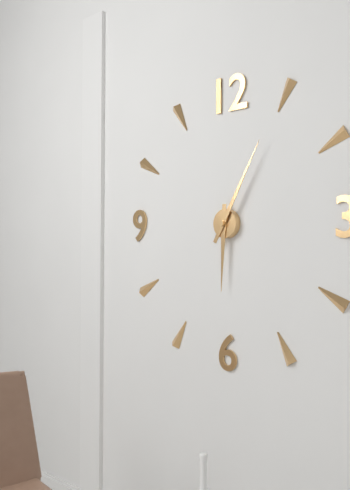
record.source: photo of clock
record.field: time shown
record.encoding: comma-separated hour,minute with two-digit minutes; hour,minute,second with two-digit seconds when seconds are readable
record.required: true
6,05
